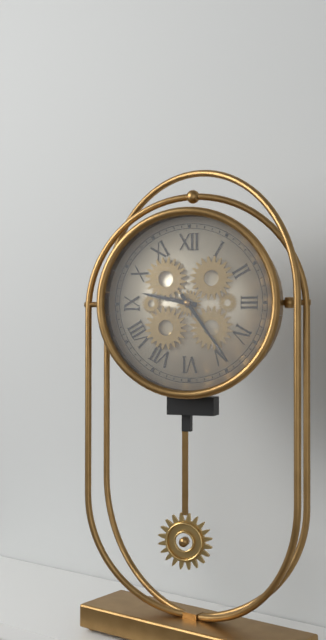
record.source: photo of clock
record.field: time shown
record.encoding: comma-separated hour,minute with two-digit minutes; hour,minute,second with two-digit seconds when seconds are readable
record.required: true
9,24
